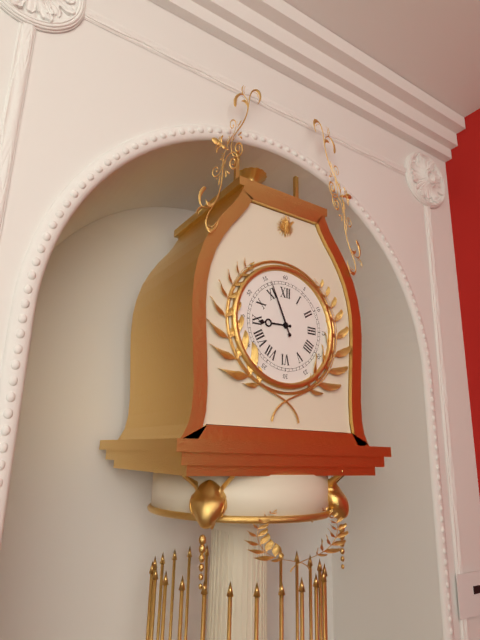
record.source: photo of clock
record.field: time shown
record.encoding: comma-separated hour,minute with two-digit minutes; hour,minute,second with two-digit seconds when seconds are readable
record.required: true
8,56
